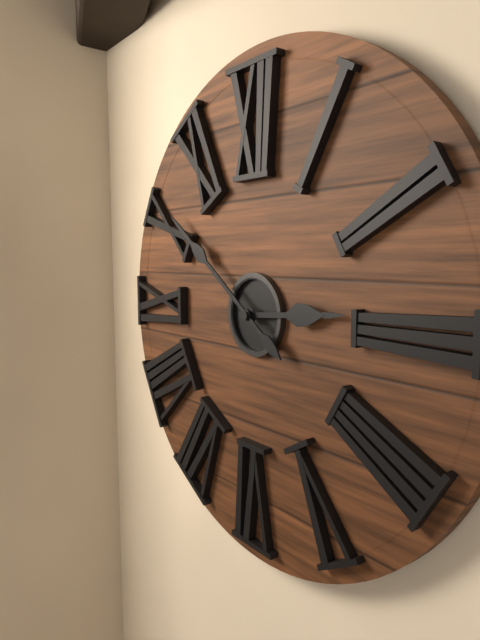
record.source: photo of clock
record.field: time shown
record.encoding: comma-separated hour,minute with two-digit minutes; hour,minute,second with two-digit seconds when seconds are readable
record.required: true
2,51
